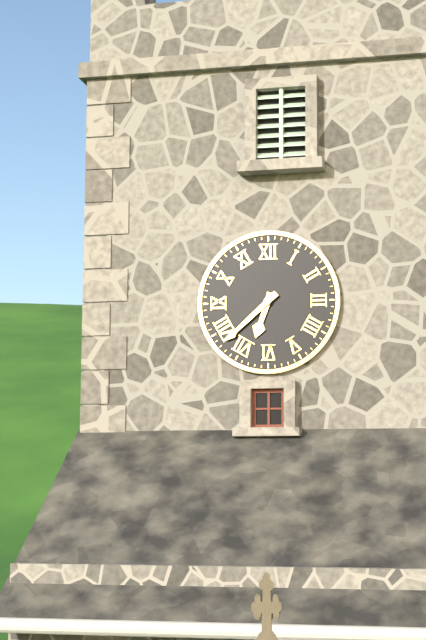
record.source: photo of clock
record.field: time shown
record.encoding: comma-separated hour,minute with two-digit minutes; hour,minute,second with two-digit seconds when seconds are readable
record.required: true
6,38
